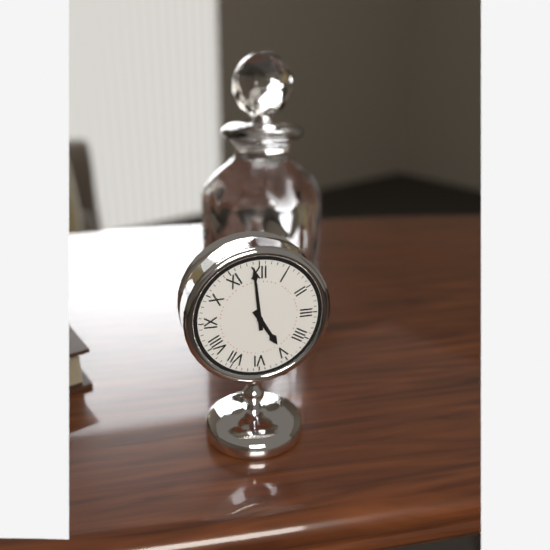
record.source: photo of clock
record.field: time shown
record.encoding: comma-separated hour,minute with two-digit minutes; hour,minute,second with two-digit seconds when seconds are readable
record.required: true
4,59
